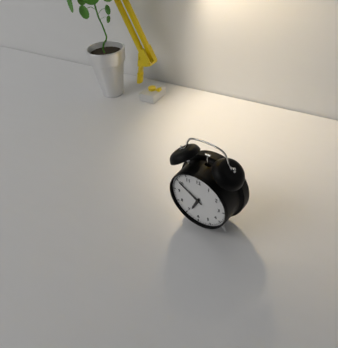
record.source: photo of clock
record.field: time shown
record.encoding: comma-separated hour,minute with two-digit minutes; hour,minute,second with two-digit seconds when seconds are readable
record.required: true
6,50
